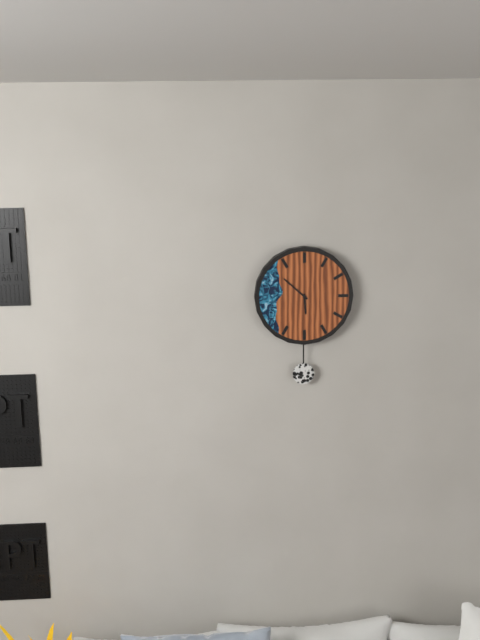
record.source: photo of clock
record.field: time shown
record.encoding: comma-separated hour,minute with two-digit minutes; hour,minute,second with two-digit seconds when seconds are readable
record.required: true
5,52
